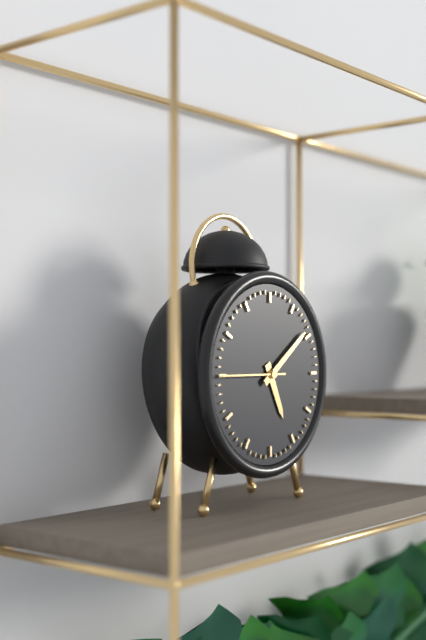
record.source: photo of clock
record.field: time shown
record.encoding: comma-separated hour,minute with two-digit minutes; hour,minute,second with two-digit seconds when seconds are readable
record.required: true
5,09,45
